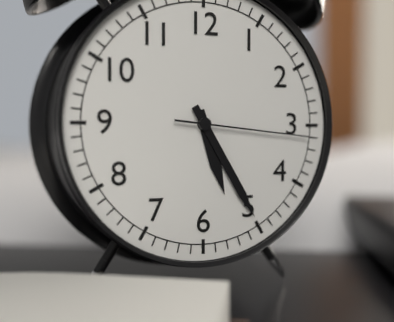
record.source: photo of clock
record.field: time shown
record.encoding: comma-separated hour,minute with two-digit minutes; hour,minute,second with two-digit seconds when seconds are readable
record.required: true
5,25,16
